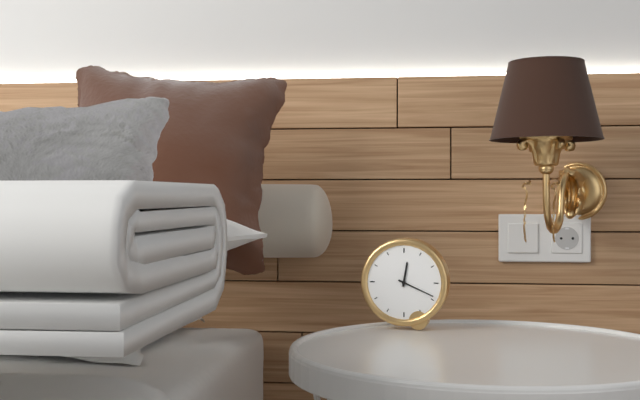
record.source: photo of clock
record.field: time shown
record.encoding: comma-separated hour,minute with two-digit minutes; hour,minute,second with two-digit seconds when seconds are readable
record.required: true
12,19
